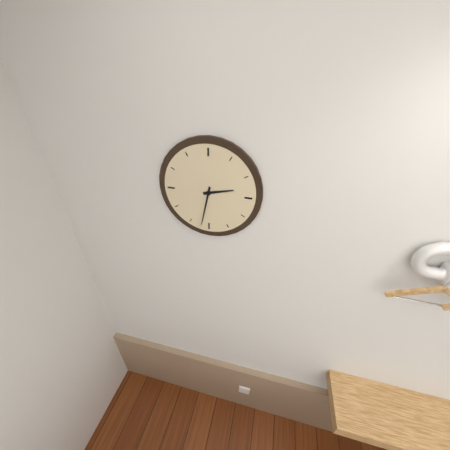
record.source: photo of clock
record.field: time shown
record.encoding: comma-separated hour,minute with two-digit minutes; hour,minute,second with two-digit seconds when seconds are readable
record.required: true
2,32
